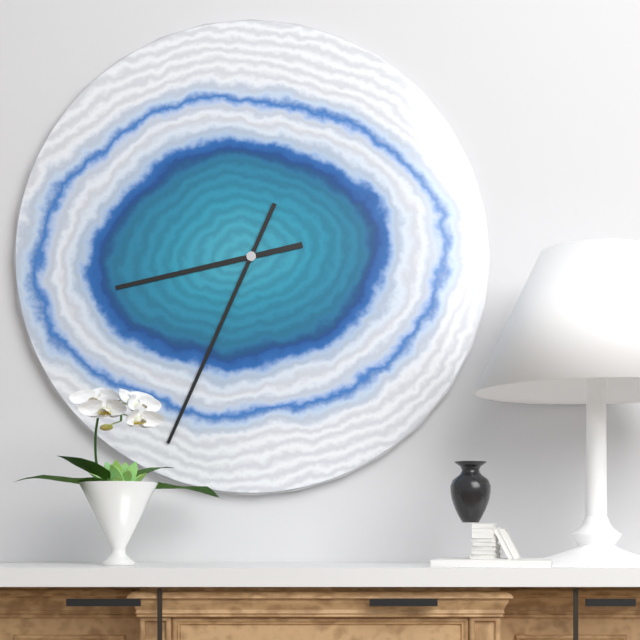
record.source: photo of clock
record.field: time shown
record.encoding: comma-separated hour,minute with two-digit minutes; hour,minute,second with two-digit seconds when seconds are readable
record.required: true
8,34
